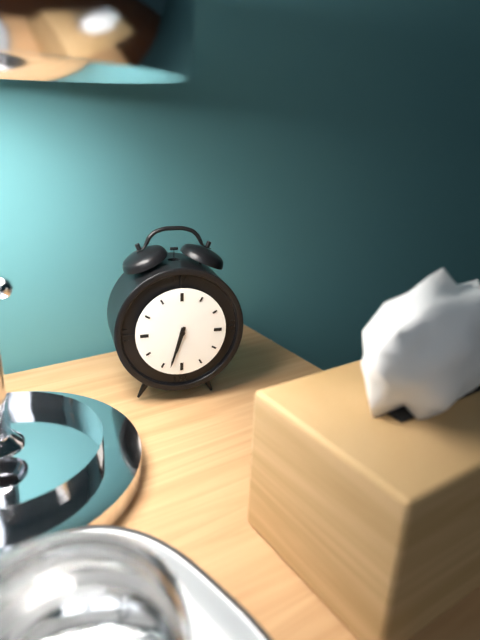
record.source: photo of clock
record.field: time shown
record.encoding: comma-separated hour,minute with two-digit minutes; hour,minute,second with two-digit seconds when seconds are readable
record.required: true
6,33
